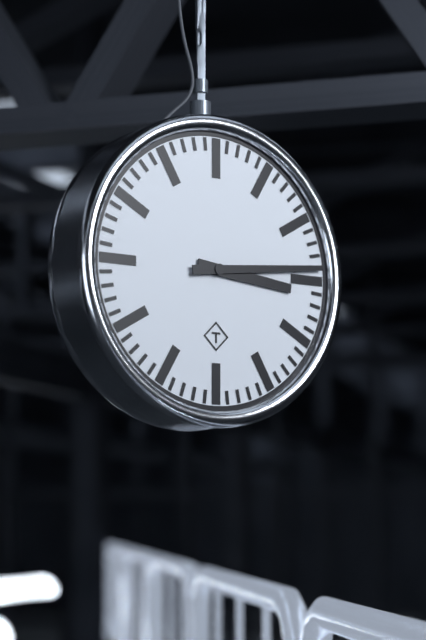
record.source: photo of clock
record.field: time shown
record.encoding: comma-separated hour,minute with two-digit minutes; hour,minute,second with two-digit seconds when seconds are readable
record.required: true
3,14
